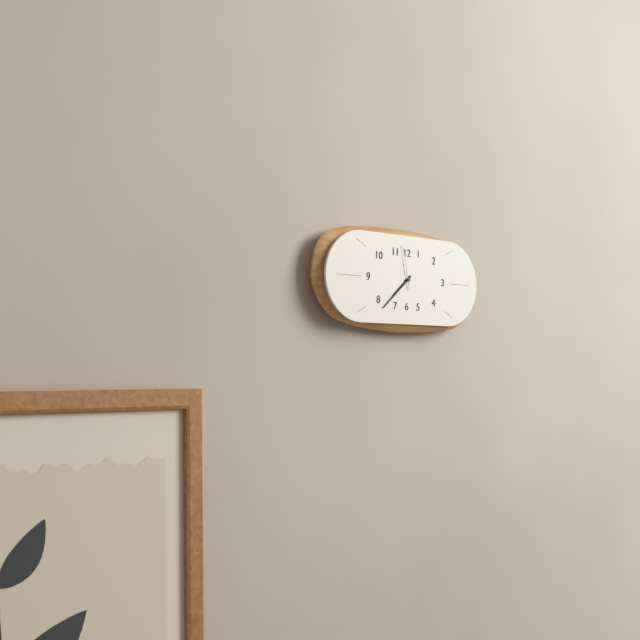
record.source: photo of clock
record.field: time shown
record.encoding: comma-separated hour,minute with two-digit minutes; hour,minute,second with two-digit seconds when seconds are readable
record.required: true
7,38
